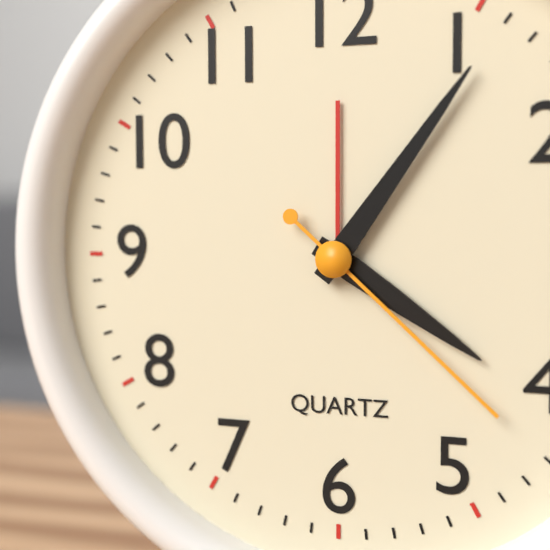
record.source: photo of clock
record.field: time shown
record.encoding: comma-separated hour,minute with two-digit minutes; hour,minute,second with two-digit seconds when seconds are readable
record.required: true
4,06,22
